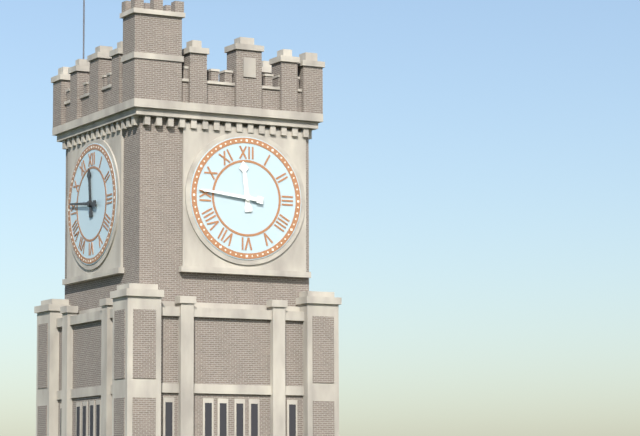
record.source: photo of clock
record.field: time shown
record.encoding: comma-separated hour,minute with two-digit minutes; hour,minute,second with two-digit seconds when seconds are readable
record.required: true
11,46
